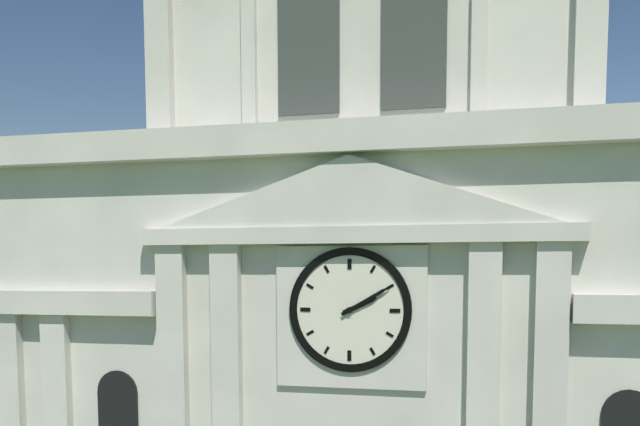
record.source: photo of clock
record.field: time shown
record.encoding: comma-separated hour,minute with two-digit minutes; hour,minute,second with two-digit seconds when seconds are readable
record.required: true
2,10
